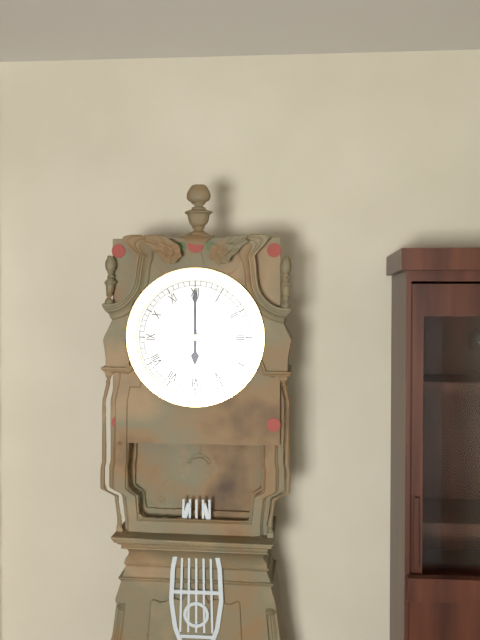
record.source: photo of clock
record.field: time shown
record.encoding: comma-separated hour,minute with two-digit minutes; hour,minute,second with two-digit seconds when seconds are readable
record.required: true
6,00
